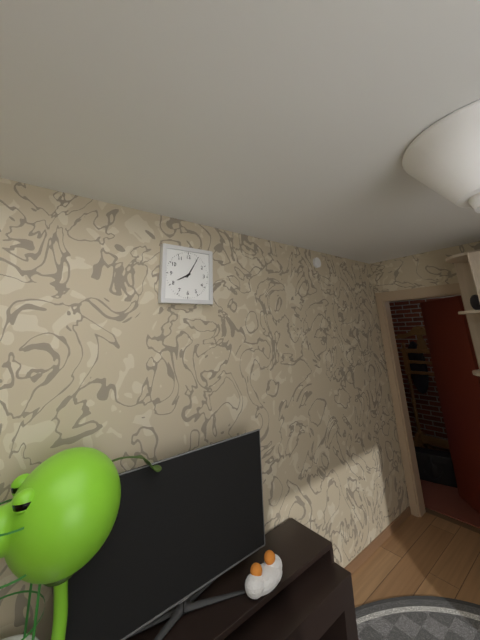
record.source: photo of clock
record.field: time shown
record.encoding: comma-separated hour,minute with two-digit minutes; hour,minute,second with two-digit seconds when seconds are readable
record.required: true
8,05
